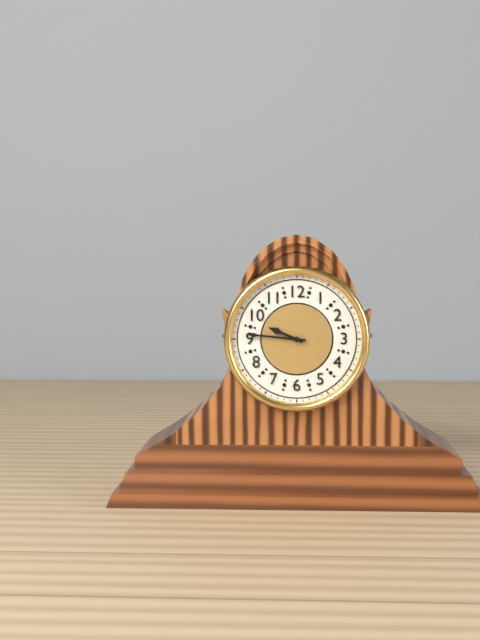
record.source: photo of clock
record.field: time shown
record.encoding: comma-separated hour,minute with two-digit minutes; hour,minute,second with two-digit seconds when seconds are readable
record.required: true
9,46
